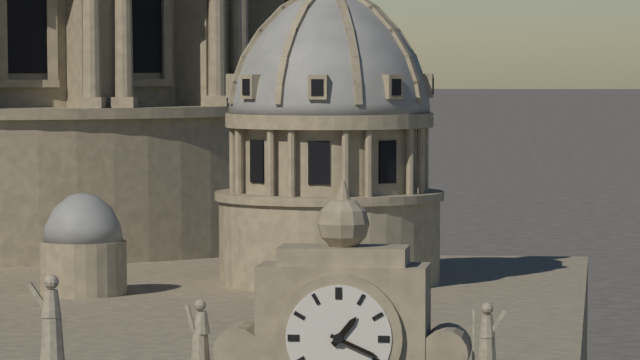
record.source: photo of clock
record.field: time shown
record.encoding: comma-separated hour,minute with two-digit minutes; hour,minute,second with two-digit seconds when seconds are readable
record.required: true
1,19
